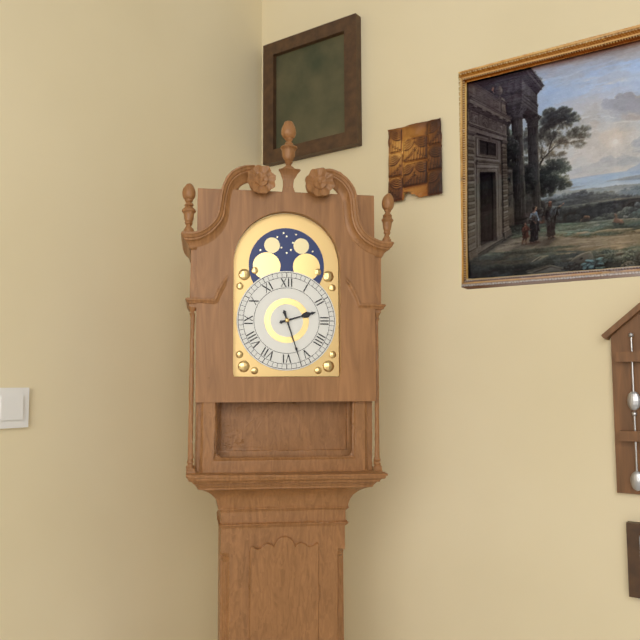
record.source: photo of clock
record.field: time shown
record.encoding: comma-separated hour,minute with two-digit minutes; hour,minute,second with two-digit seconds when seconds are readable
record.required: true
2,27
